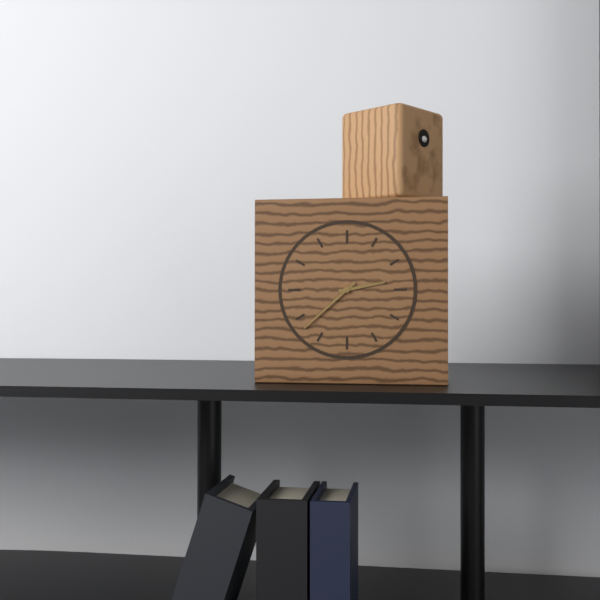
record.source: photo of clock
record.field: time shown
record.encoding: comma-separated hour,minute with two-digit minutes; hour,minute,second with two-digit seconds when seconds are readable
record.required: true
2,38
